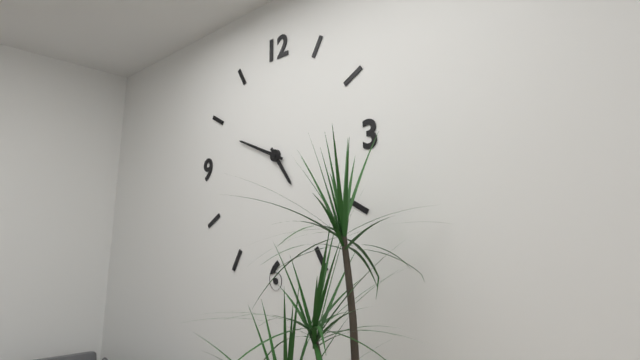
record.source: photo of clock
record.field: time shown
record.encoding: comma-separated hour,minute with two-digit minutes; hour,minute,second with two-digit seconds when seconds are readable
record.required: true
4,49
